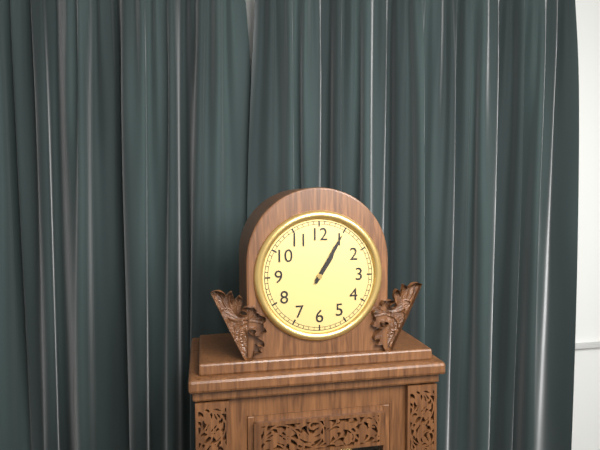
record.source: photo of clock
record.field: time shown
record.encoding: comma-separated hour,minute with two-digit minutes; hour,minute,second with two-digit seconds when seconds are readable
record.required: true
1,05
